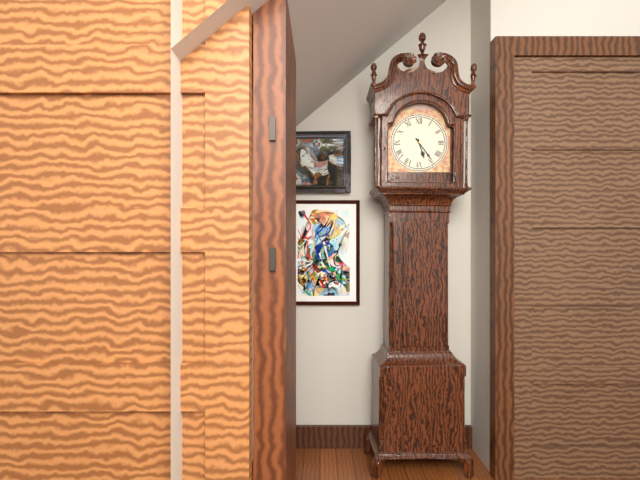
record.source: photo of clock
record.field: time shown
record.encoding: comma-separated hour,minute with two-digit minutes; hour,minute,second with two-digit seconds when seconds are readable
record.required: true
5,24
